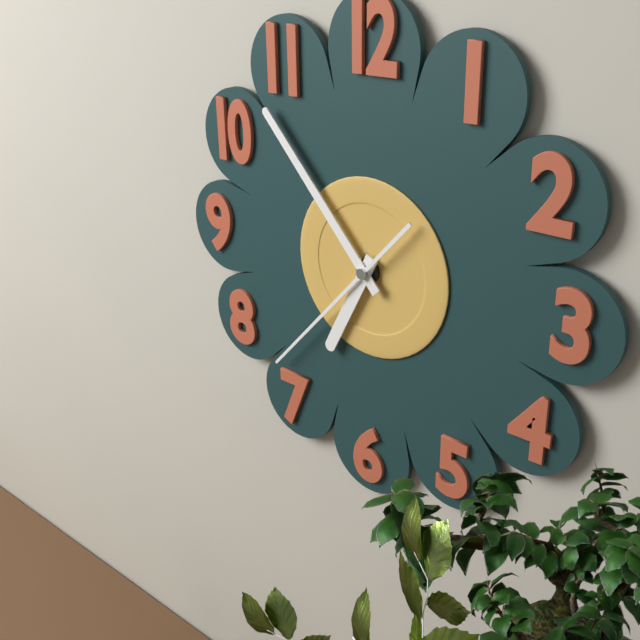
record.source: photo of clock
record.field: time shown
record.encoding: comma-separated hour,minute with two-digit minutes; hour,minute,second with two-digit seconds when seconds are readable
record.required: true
6,53,37
